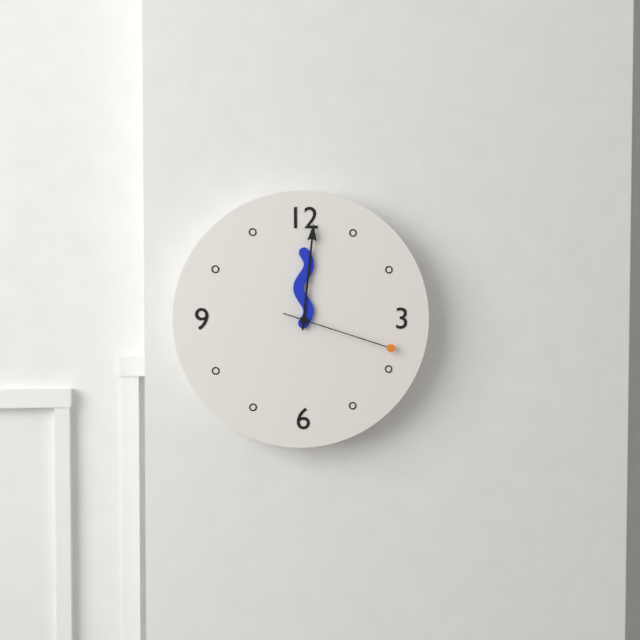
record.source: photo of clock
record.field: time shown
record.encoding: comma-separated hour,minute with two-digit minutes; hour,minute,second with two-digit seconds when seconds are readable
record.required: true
12,01,18
